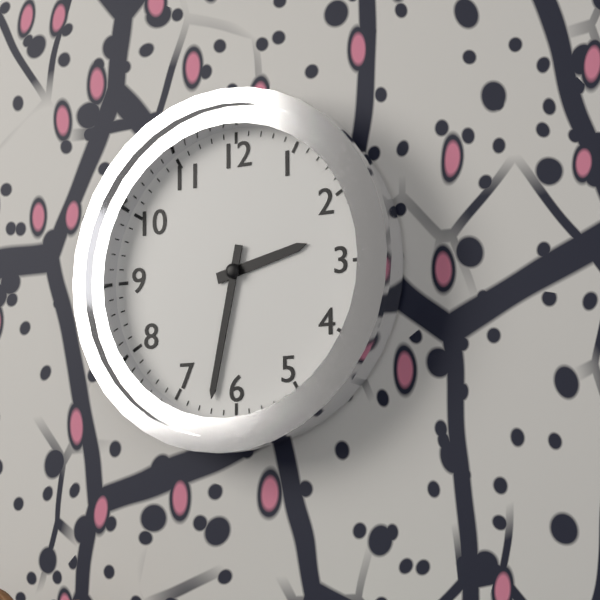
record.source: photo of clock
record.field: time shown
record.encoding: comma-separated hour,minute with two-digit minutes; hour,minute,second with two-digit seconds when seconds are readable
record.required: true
2,32
